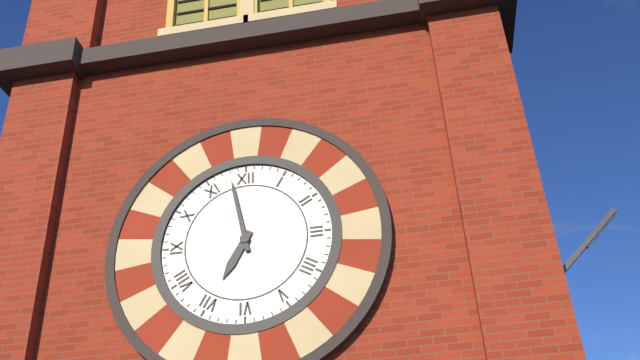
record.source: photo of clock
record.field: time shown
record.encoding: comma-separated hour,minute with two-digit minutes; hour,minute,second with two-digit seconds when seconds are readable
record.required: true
6,58
